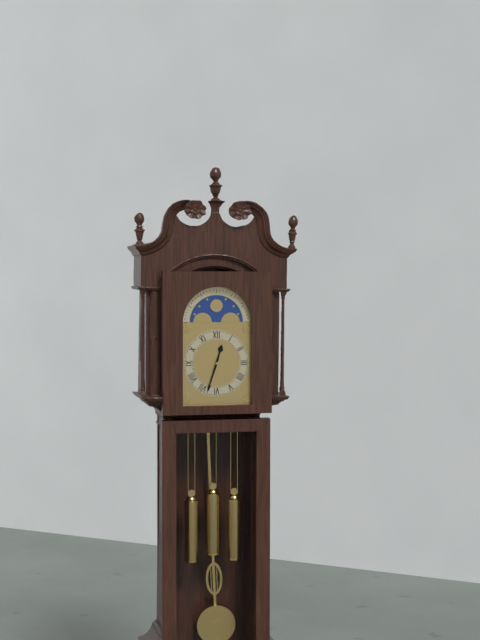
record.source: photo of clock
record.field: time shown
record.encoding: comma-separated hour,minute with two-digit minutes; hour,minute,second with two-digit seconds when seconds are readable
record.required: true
12,33
